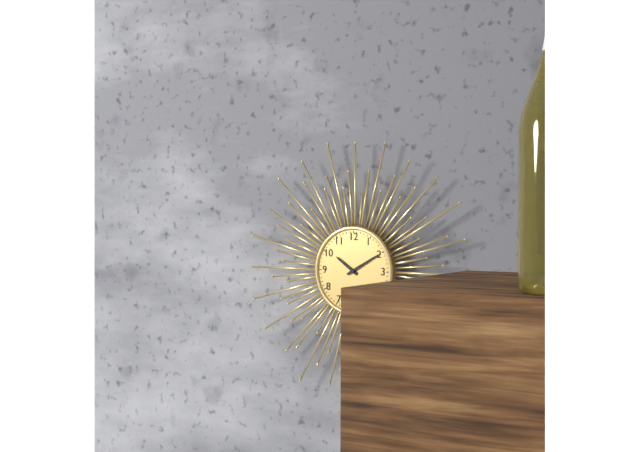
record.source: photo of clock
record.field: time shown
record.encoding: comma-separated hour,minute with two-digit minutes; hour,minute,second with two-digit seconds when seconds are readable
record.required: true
10,10
